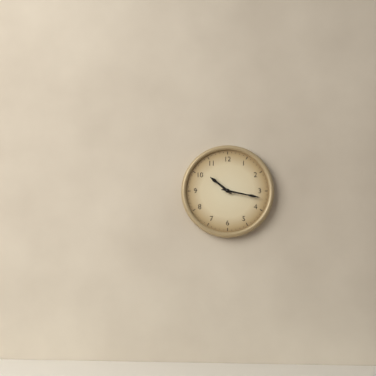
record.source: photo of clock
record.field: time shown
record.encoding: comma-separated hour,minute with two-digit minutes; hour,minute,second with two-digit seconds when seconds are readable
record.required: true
10,17
